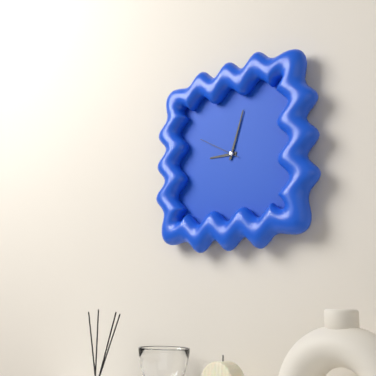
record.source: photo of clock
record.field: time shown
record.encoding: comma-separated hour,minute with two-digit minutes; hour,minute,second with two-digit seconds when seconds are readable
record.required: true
9,03
